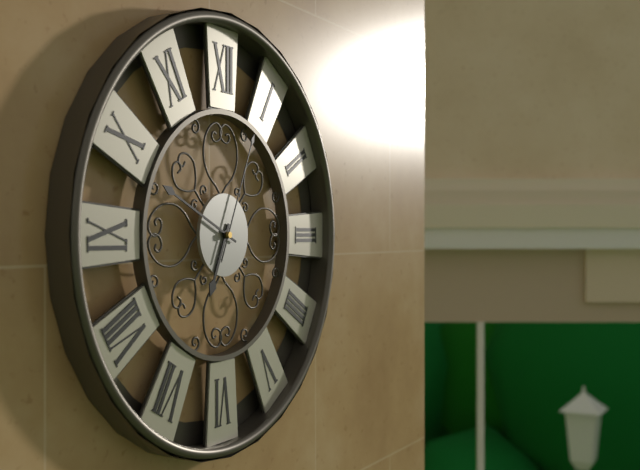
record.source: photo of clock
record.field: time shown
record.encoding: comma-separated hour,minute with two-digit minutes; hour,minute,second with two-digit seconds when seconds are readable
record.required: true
6,49,04
